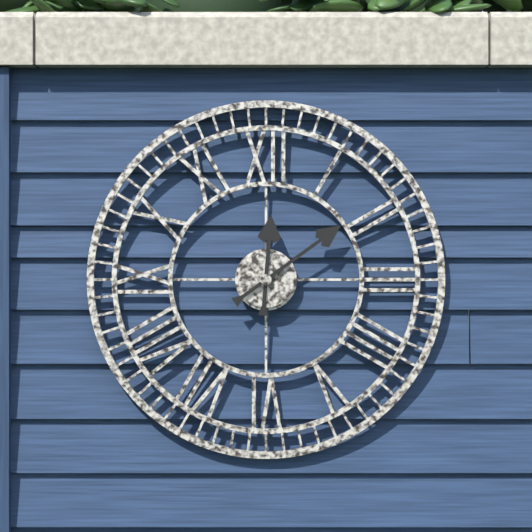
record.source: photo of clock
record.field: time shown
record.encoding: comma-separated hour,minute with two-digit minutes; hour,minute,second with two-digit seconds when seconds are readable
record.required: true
12,09
